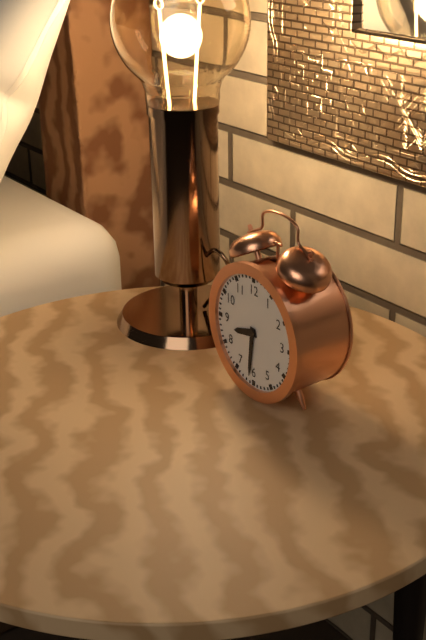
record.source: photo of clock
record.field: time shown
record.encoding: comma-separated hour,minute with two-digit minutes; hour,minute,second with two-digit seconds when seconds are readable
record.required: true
8,31
